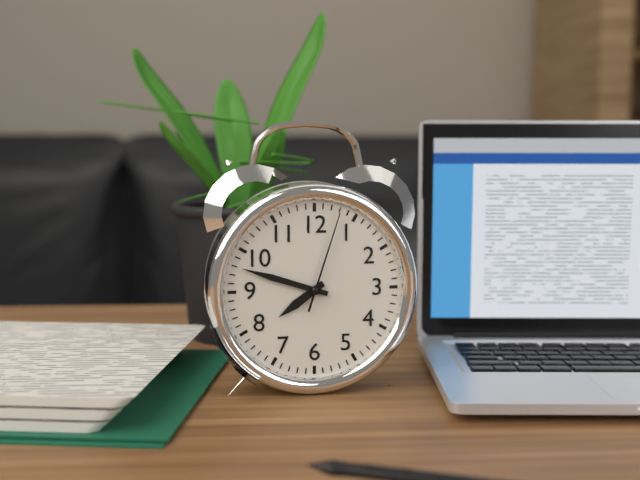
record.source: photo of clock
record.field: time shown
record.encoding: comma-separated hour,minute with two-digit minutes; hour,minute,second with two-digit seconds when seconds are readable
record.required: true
7,48,03
